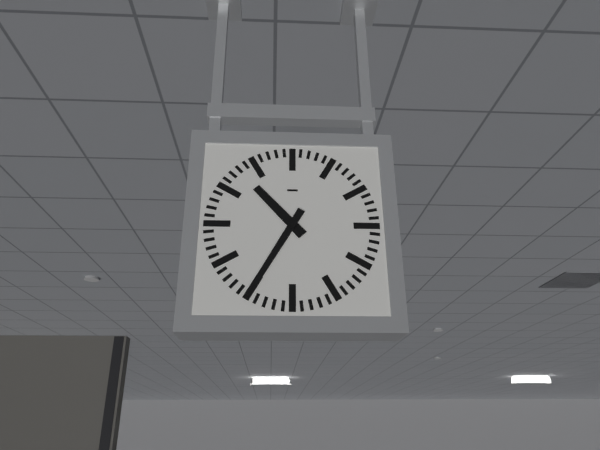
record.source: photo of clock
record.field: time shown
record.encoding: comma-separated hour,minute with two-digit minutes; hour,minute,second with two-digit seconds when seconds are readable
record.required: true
10,35
